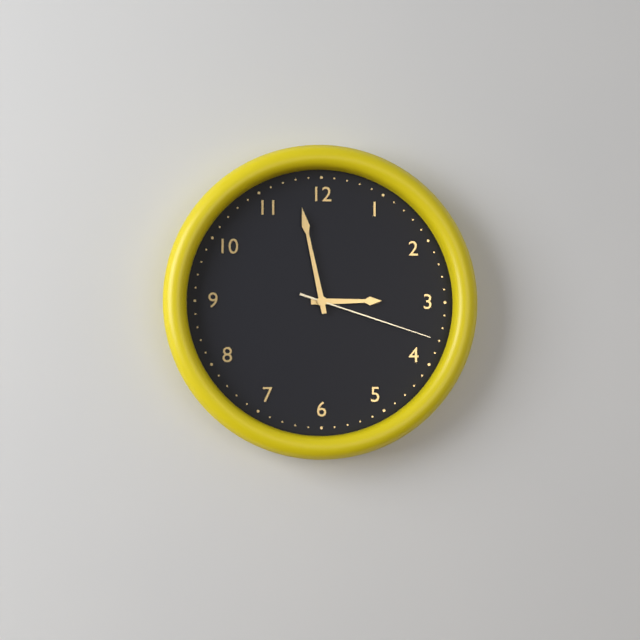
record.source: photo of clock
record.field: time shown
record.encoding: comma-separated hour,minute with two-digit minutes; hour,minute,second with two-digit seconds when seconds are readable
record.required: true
2,58,18
